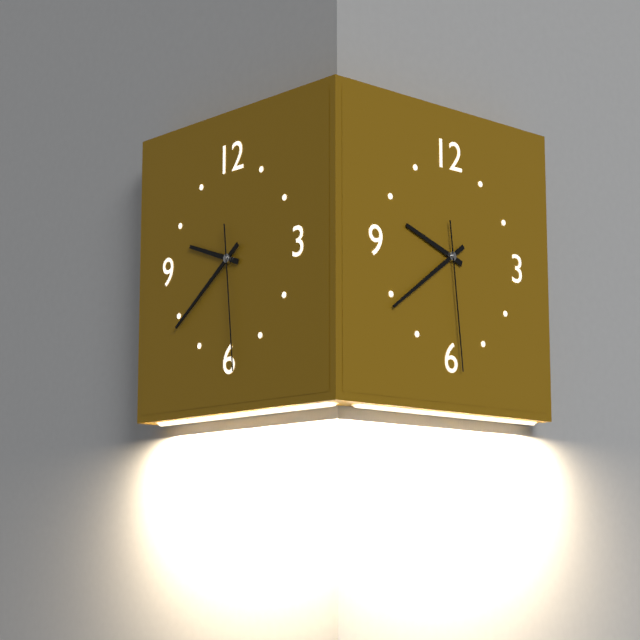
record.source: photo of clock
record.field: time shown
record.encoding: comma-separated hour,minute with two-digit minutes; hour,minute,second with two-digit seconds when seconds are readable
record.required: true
9,39,29
